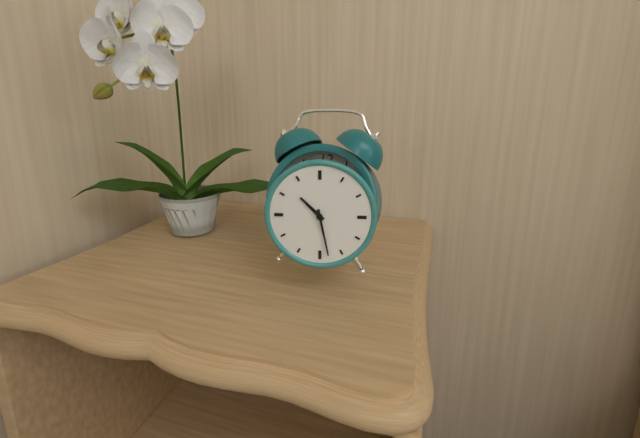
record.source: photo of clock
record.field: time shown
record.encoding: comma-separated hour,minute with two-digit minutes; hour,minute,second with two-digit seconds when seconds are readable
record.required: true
10,28
